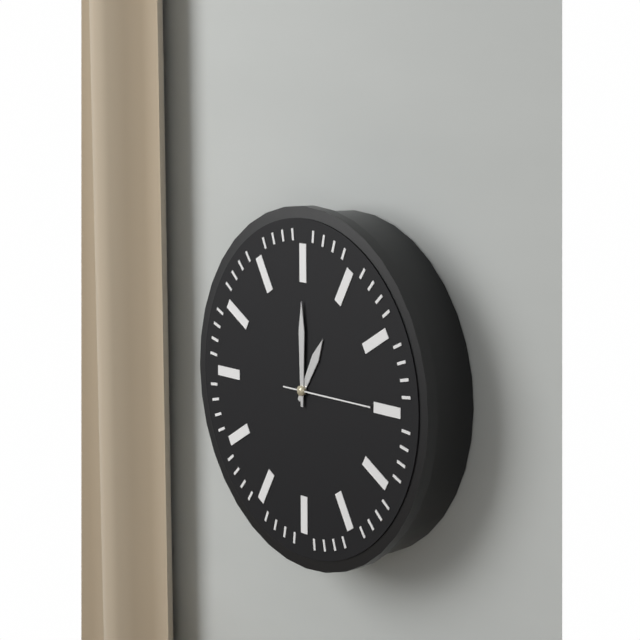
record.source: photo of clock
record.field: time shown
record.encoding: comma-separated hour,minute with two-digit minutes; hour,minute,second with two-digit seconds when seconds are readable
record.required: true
1,00
